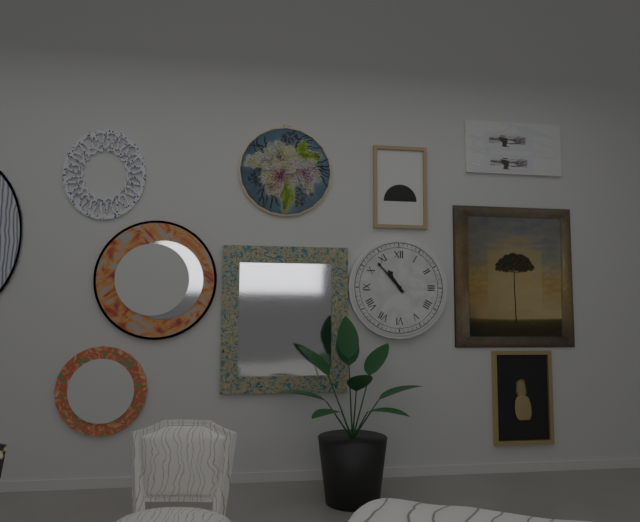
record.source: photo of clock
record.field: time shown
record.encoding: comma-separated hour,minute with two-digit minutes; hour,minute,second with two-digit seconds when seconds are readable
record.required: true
10,53
